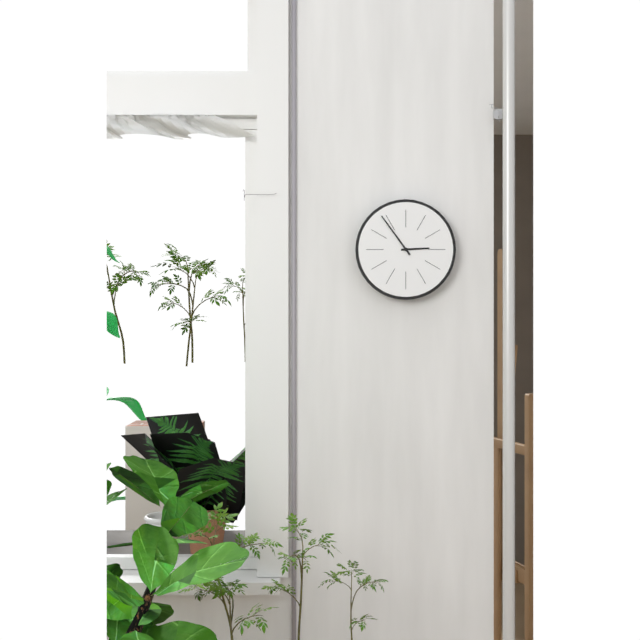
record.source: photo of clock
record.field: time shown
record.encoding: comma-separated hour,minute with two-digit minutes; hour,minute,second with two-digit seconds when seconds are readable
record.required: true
2,54
